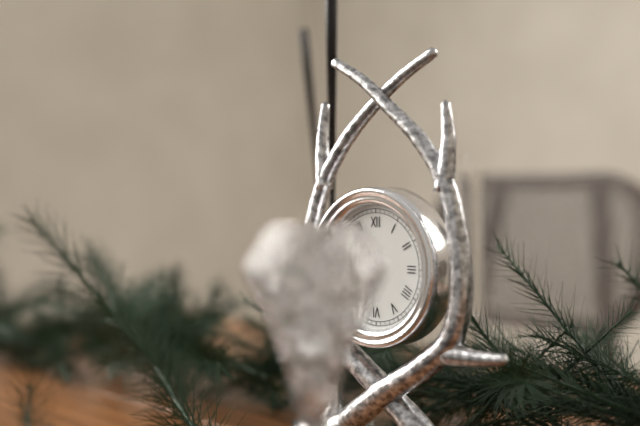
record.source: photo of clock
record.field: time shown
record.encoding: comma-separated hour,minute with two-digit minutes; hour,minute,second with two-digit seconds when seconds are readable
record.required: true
8,33
